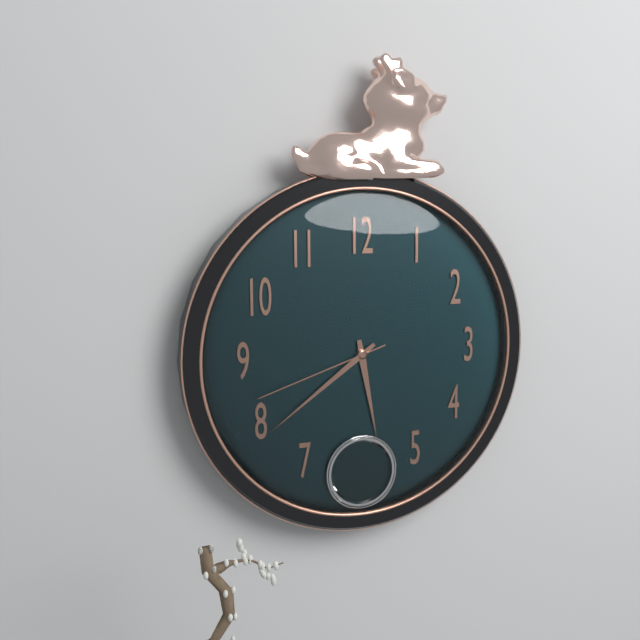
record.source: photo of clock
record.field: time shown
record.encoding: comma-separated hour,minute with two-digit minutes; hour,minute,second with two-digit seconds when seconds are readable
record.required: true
5,39,42
